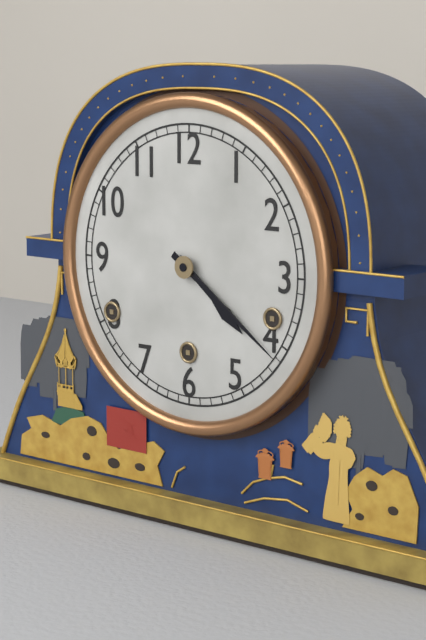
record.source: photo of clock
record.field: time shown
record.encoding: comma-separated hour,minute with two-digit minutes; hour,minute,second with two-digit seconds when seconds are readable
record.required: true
4,21
